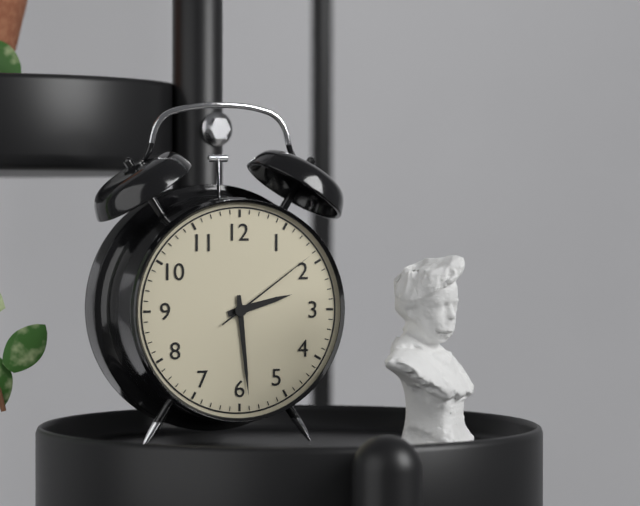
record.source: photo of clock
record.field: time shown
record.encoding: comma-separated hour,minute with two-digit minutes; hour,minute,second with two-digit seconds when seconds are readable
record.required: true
2,29,09
